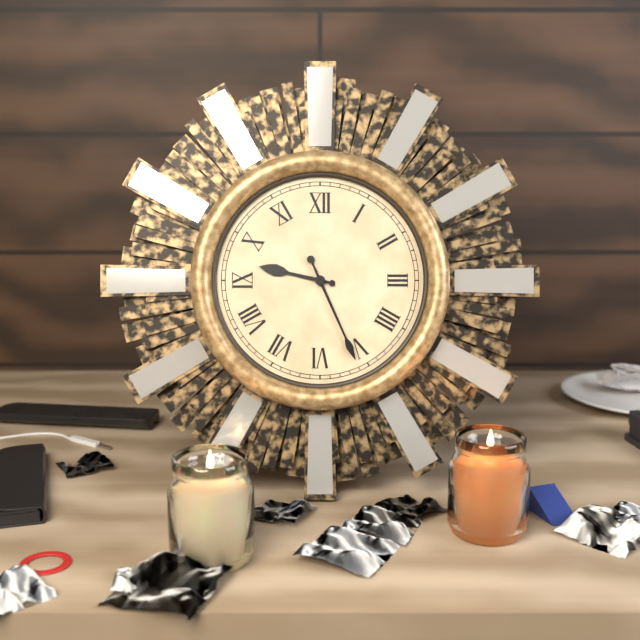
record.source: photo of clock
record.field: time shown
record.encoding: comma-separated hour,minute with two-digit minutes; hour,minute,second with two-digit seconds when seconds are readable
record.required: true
9,26
